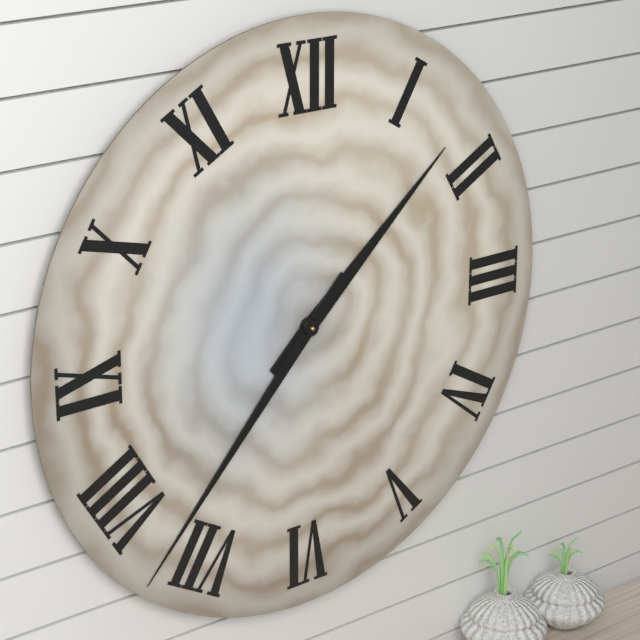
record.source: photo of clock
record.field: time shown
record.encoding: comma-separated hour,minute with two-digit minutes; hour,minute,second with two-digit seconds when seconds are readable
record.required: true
1,37
